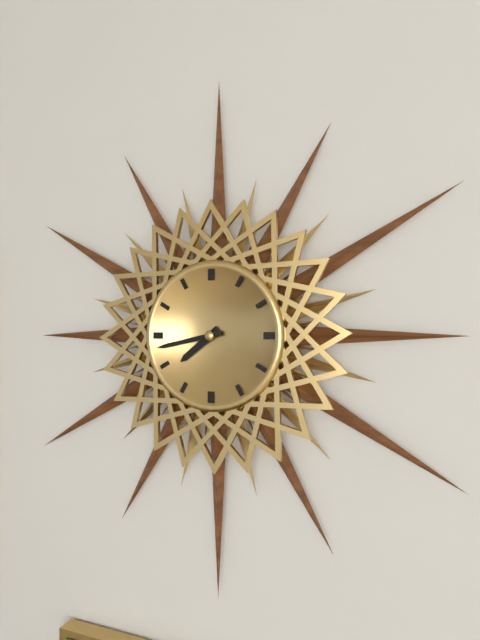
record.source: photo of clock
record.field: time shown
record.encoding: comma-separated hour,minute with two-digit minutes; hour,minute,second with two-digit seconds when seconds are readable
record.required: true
7,43
